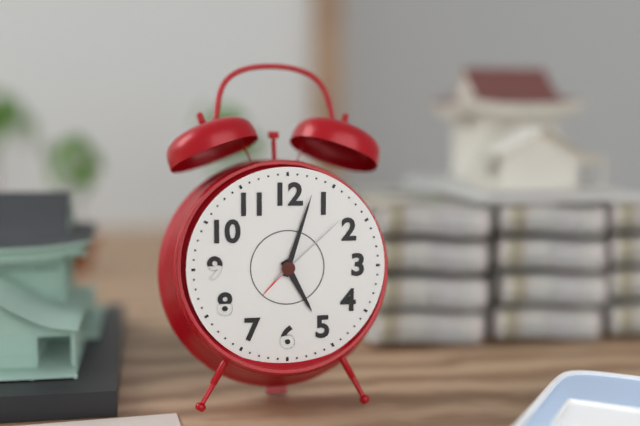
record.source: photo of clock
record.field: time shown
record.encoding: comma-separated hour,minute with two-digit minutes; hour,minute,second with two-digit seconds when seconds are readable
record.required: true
5,03,08
